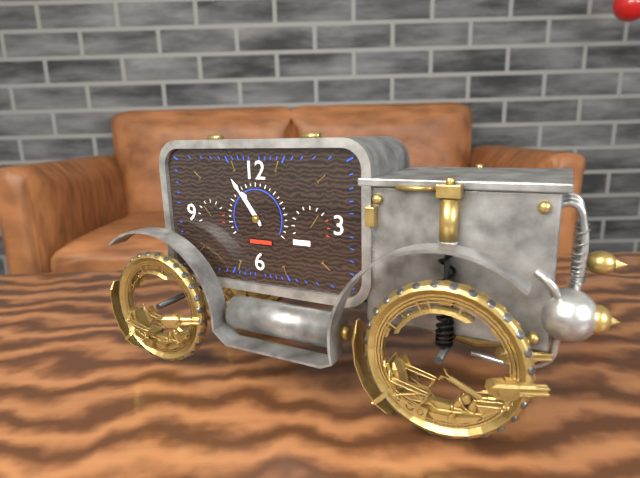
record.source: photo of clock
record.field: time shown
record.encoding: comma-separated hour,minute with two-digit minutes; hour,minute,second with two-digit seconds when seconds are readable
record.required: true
10,54
